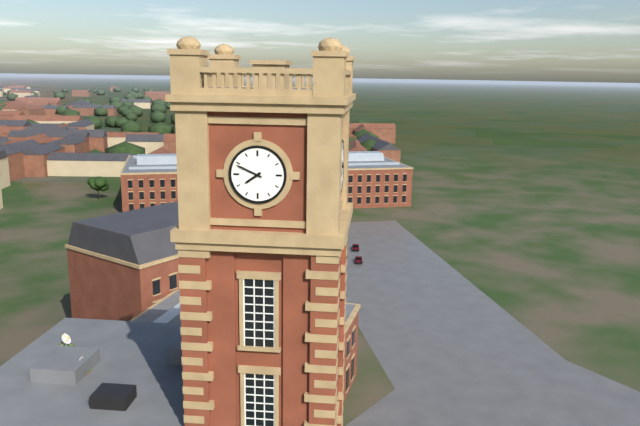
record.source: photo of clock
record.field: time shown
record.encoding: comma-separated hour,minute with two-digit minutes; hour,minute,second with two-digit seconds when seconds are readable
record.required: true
7,49
